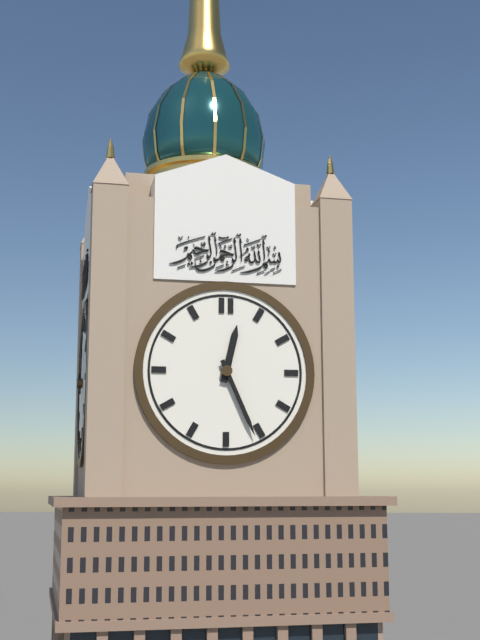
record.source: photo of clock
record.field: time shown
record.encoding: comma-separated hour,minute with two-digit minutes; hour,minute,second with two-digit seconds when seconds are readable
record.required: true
12,26
